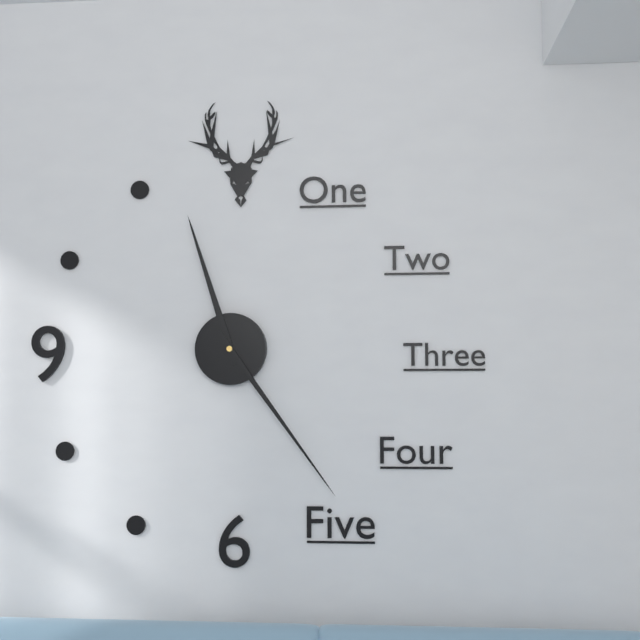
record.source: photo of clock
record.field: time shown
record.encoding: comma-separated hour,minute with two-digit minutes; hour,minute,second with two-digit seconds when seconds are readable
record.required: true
11,24
